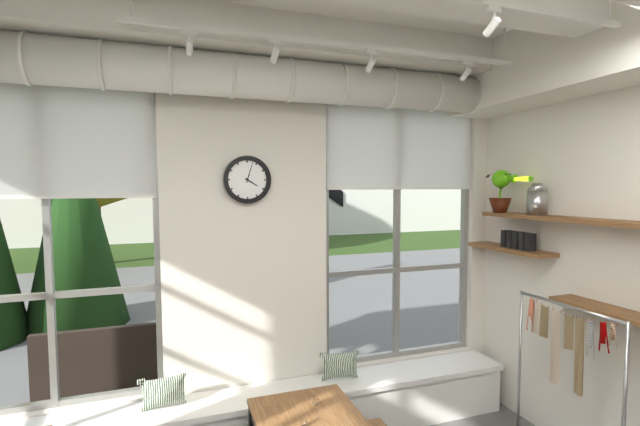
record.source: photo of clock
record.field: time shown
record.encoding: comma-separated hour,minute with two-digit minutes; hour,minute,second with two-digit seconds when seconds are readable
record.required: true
4,03
